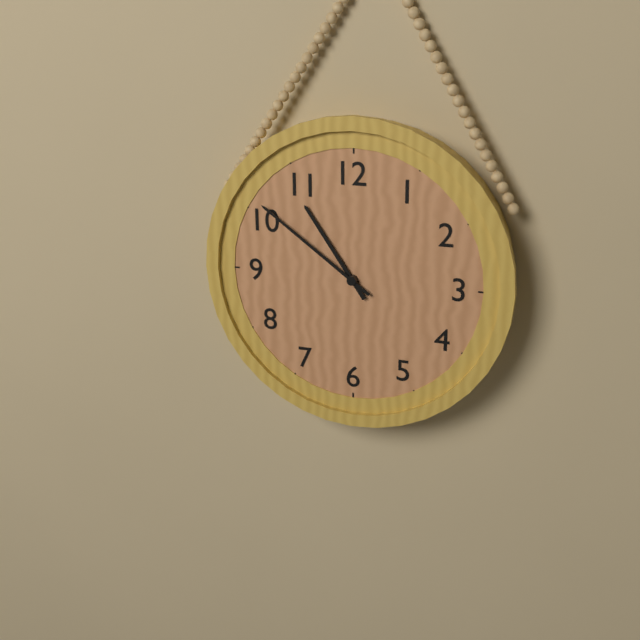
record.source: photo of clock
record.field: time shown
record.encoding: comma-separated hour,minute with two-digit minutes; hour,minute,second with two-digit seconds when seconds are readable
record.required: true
10,51
